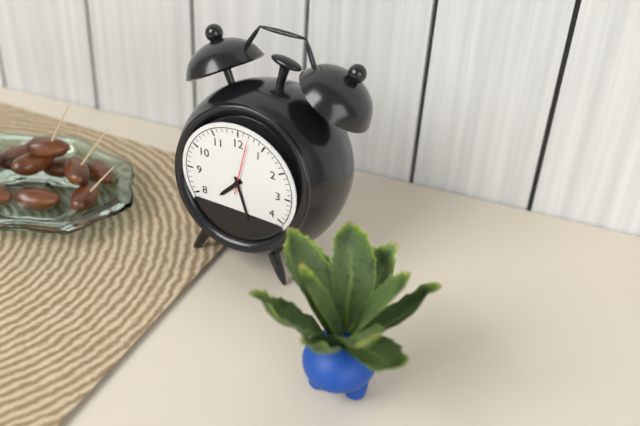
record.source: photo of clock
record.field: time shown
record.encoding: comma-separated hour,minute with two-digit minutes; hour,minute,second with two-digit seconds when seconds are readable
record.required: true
7,27,02
